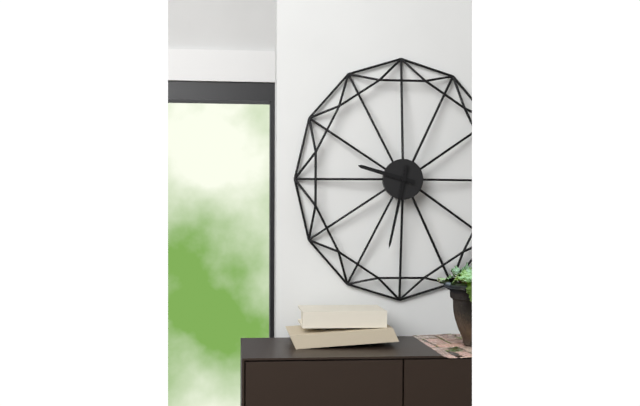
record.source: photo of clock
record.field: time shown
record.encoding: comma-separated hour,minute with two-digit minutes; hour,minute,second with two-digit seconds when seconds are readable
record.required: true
9,32
